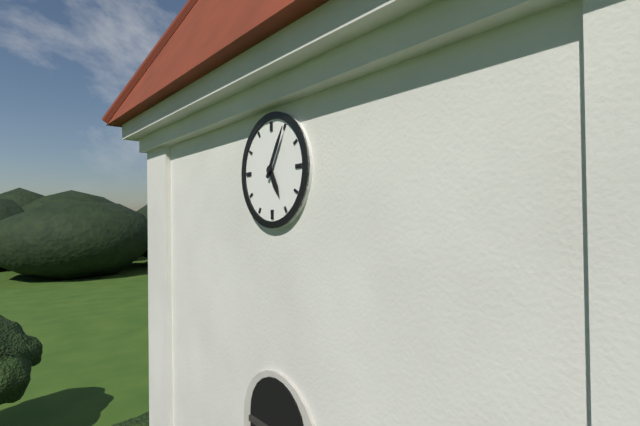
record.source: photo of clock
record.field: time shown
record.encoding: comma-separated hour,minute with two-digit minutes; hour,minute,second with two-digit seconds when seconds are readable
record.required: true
5,05
